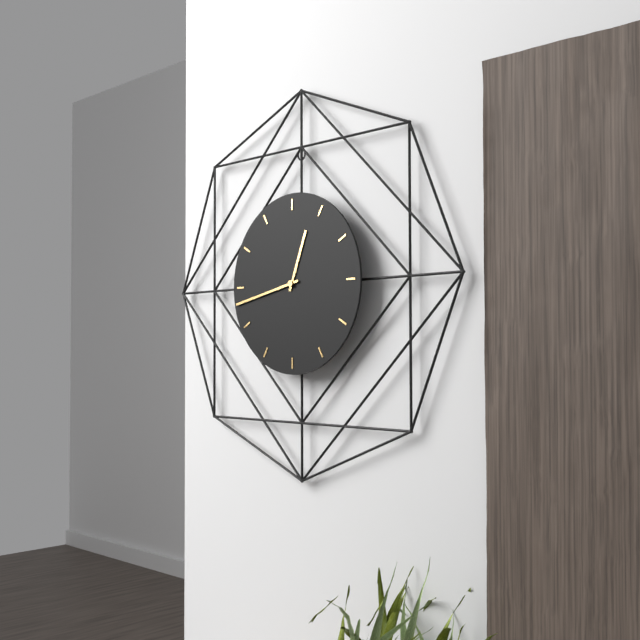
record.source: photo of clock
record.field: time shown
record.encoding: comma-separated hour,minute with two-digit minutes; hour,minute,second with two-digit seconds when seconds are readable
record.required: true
12,43
